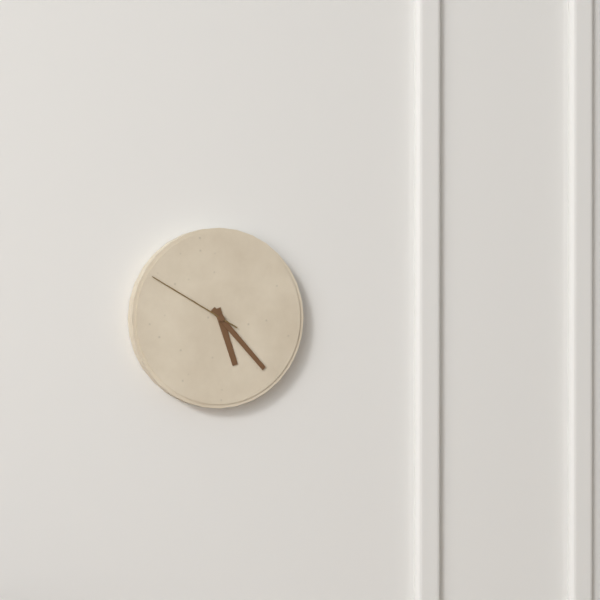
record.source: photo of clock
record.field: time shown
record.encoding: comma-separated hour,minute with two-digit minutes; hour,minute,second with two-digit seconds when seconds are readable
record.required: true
5,23,50
